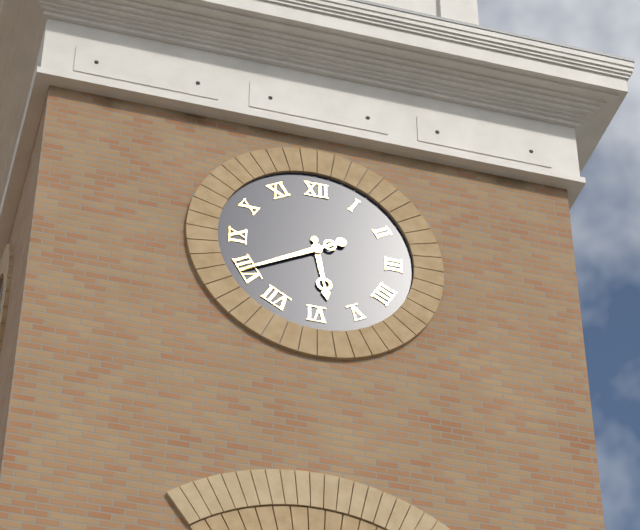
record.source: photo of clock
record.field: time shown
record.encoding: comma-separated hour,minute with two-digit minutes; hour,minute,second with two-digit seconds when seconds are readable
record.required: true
5,40
